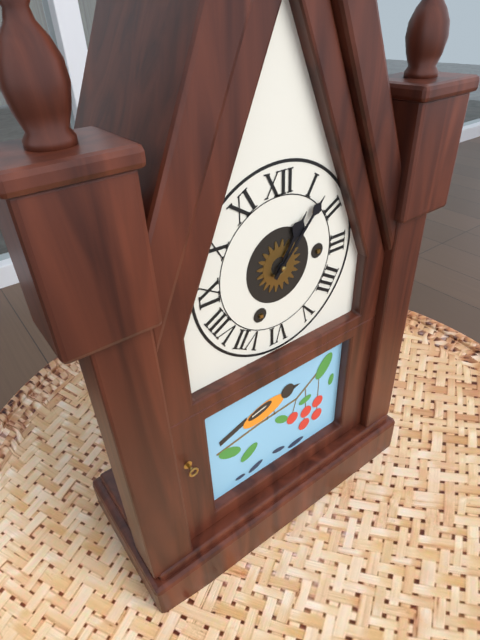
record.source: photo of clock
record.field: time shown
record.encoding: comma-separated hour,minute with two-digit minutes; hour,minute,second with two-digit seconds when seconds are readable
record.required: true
1,07
